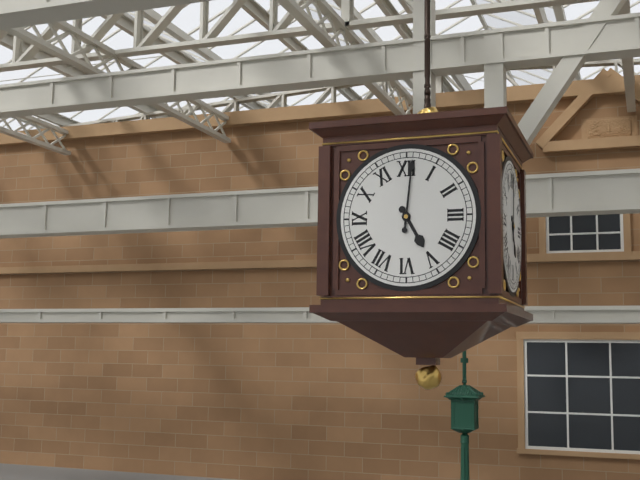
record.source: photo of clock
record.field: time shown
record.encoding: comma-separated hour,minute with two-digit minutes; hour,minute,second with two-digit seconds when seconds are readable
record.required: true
5,01
